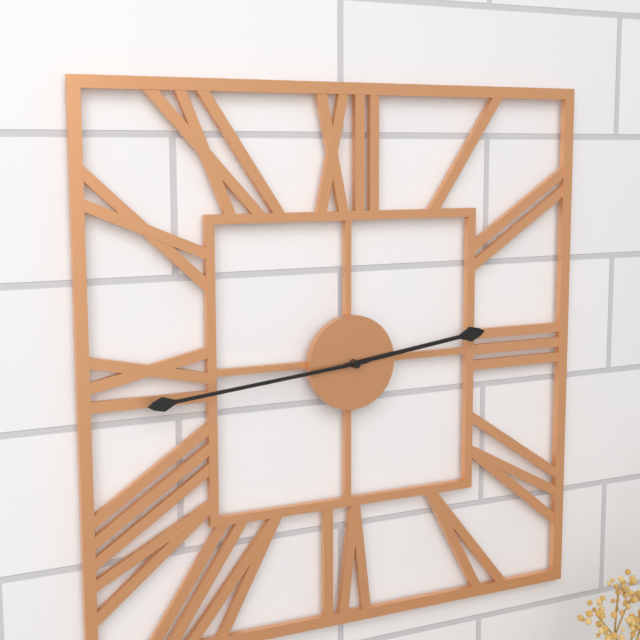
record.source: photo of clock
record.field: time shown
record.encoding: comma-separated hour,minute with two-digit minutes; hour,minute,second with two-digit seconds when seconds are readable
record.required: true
2,44
